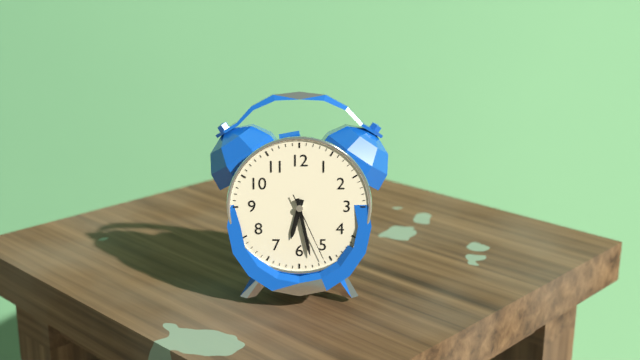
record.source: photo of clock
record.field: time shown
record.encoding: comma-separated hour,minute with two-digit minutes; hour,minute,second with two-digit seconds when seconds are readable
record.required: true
6,28,26
